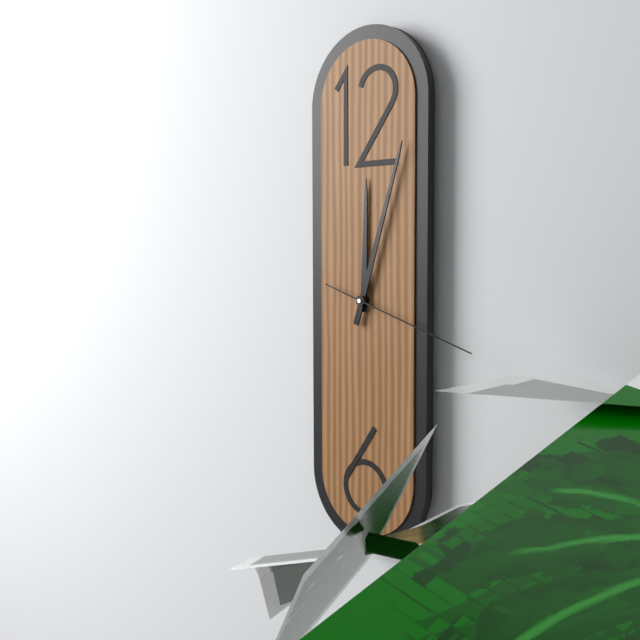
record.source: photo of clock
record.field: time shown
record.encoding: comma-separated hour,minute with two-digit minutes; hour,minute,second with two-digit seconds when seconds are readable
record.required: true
12,03,18
